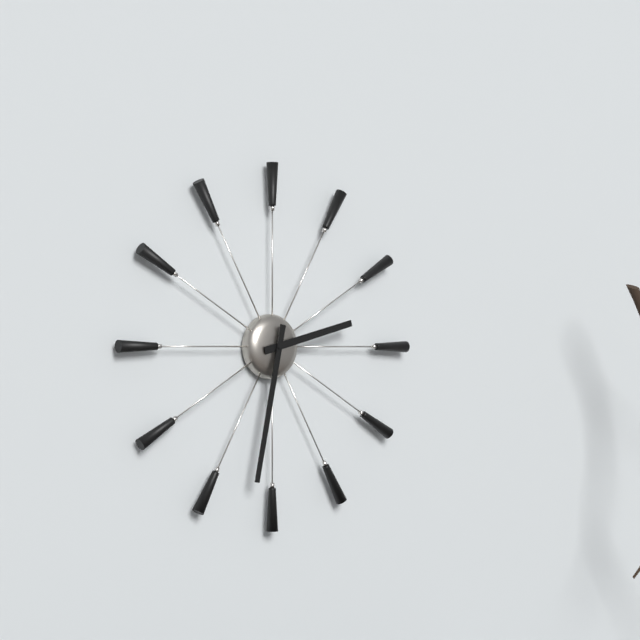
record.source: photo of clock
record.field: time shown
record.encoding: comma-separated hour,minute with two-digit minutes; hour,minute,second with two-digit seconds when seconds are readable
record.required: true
2,32
